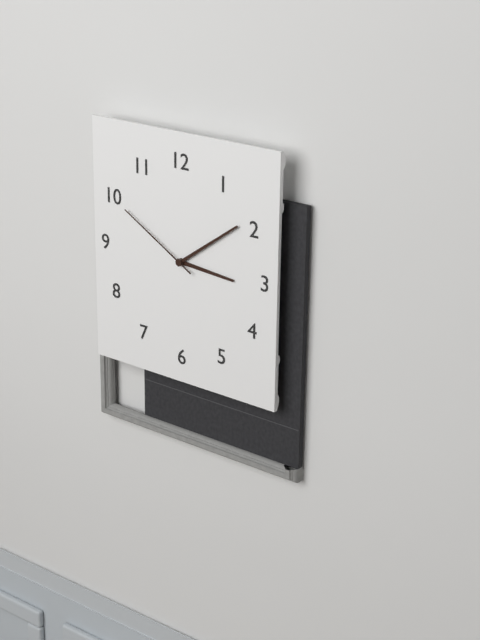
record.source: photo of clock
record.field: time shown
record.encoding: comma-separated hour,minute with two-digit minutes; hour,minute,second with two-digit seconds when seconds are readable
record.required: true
3,09,50
